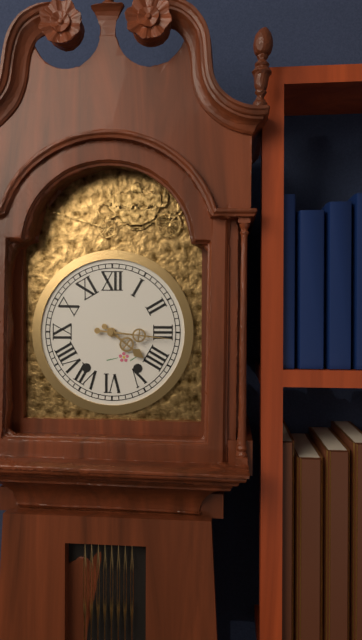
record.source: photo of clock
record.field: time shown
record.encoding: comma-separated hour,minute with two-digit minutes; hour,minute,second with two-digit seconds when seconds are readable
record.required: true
4,16
